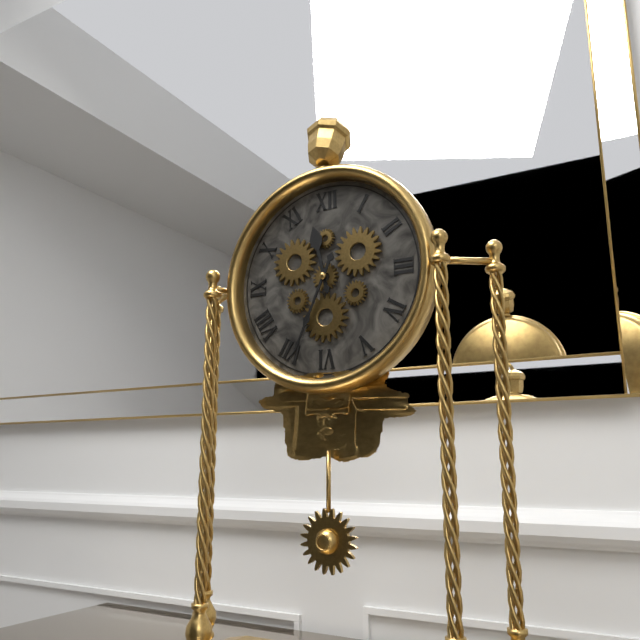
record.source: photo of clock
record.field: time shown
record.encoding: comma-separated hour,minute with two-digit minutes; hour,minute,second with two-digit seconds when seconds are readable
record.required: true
11,34
